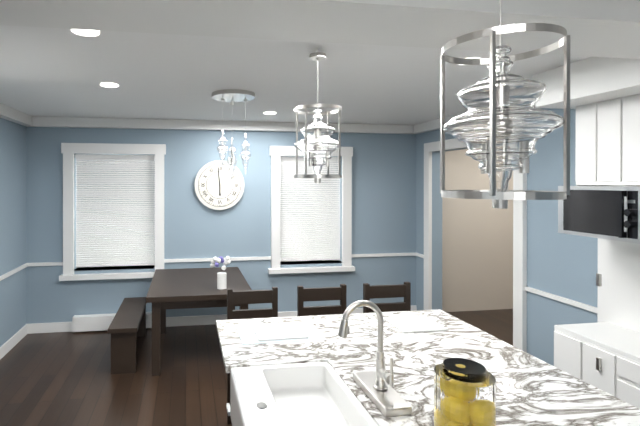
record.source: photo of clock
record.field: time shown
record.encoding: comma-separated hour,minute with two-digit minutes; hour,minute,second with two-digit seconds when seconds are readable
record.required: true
5,59
